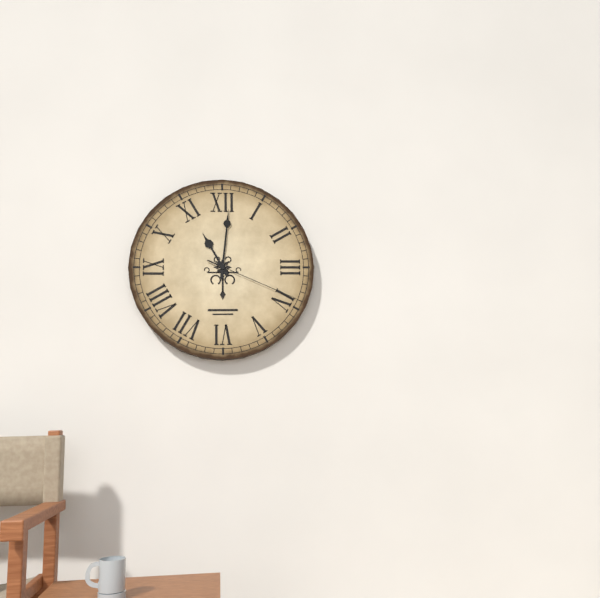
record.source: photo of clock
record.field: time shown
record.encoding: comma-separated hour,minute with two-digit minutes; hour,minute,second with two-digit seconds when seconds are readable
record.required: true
11,01,19
